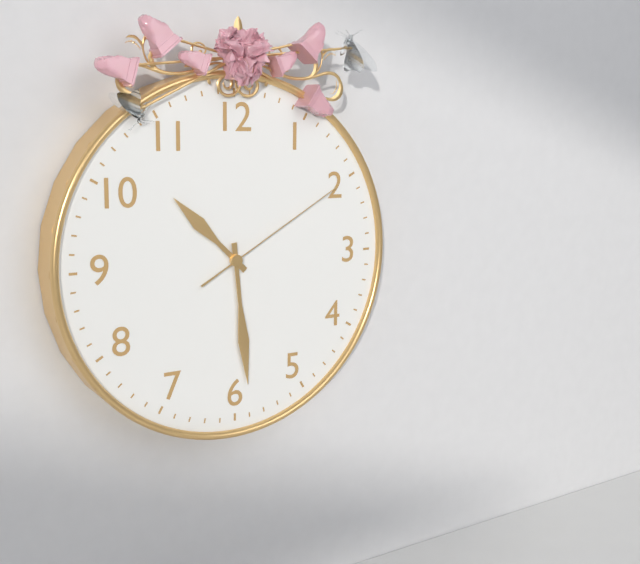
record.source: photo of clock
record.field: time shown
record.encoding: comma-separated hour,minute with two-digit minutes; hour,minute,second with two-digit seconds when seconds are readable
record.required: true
10,29,10
